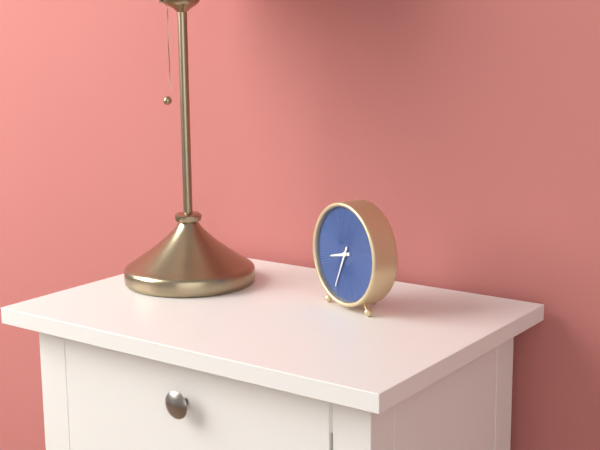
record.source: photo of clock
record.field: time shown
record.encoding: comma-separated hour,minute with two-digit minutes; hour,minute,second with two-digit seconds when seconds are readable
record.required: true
8,34
